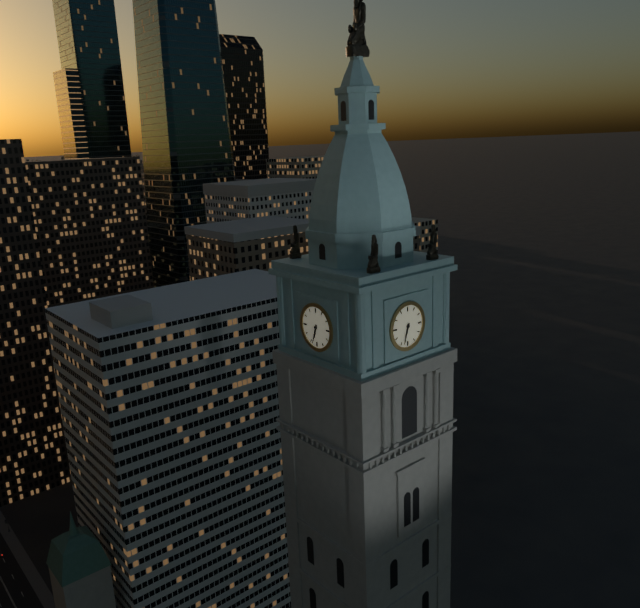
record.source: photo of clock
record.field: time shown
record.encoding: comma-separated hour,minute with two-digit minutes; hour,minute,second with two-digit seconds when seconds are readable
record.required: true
6,33
